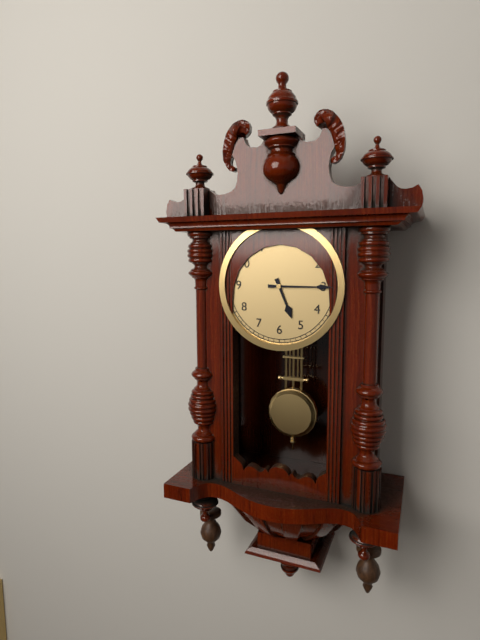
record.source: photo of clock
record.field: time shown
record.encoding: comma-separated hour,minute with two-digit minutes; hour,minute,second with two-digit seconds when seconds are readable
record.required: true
5,15
